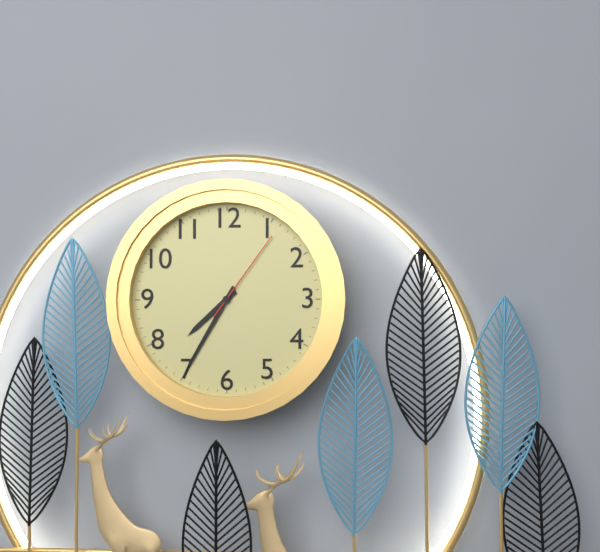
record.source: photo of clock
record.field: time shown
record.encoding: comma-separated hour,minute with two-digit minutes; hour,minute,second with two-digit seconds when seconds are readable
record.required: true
7,35,06
